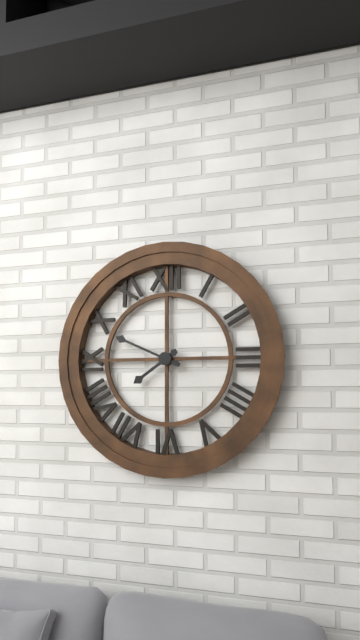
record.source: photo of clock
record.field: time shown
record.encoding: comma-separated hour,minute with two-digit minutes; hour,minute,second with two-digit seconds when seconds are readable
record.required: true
7,49
